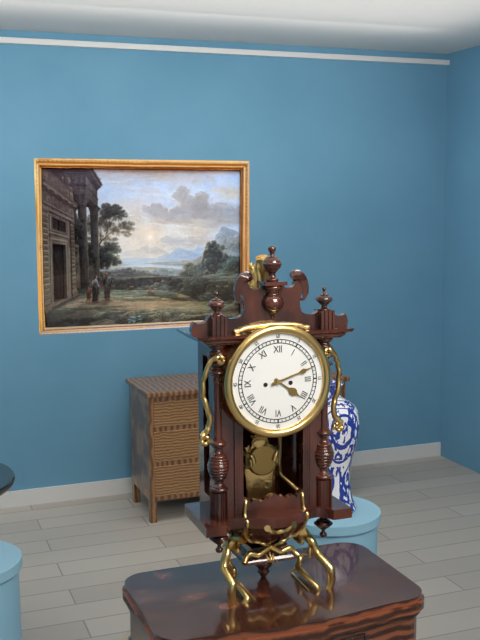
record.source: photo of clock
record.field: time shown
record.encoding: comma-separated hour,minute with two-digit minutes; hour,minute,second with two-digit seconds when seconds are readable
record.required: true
4,12
